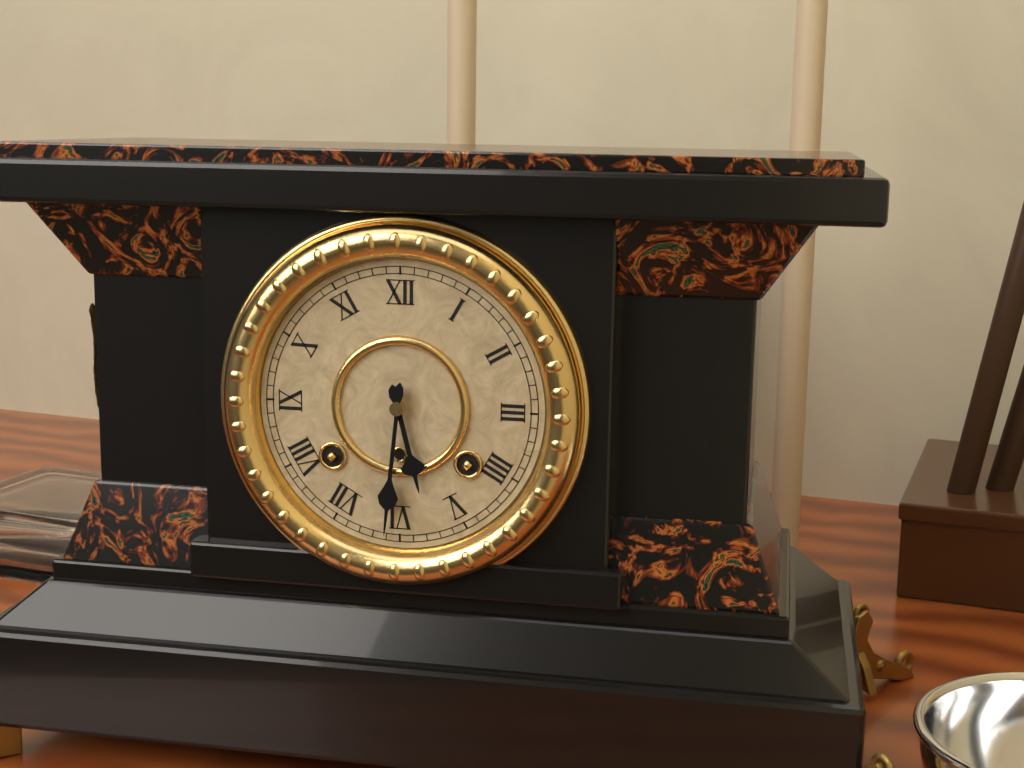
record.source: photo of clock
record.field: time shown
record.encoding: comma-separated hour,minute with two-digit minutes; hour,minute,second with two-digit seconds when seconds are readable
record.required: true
5,31
